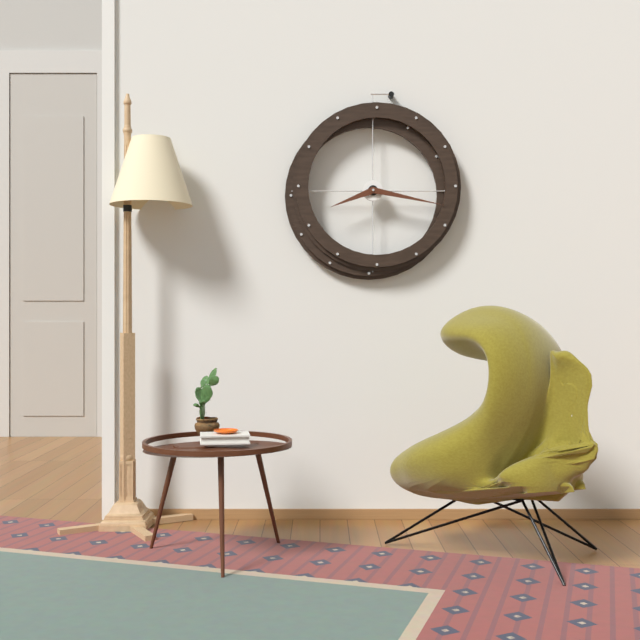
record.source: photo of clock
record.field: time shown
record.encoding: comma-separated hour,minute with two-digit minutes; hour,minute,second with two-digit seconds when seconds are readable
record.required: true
8,17
